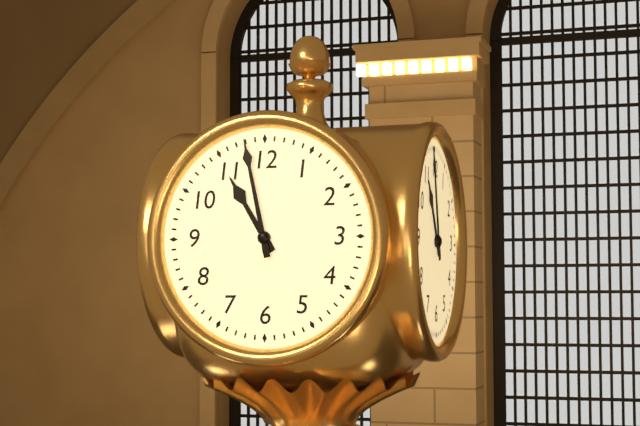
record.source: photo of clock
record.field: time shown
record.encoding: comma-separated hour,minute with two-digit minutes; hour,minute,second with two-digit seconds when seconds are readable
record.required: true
10,58
